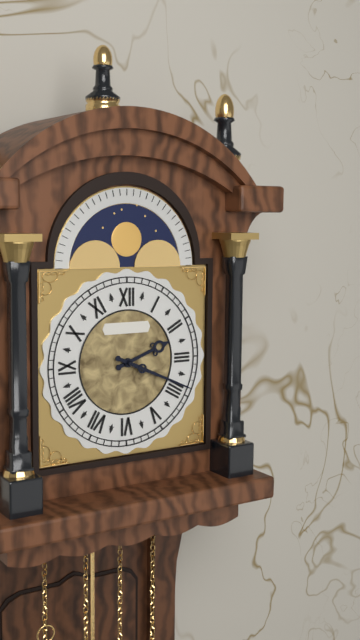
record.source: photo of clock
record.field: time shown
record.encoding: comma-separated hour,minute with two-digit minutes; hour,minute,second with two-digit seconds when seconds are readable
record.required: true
2,19
